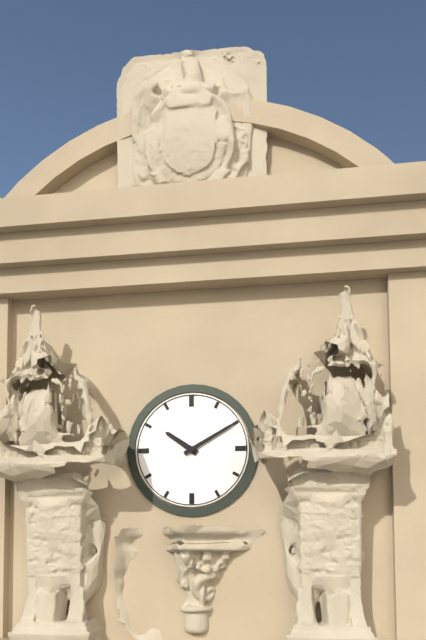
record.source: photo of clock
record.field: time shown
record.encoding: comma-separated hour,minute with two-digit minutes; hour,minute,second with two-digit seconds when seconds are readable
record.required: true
10,10
